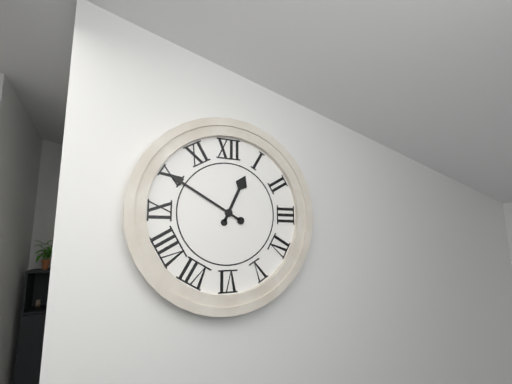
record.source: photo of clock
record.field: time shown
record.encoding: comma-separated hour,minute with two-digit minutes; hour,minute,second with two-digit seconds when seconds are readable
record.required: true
12,50
